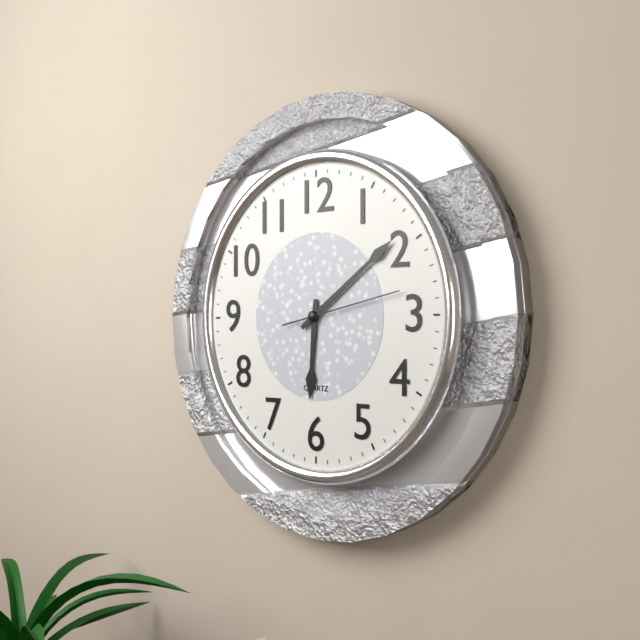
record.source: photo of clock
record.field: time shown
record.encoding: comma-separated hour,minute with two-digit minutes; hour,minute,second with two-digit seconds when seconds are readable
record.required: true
6,09,13
